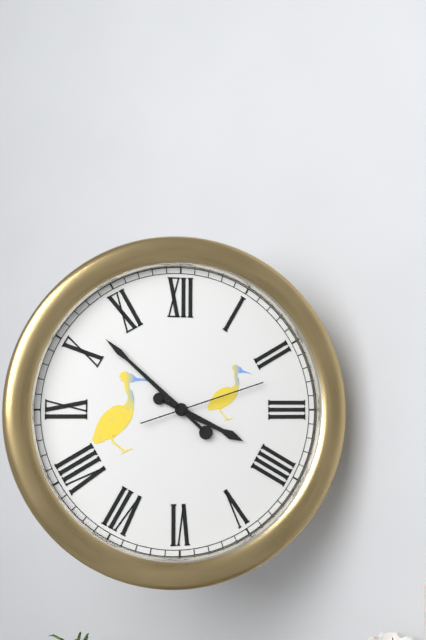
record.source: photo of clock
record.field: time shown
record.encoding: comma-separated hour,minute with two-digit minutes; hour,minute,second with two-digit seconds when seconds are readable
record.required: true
3,52,12
